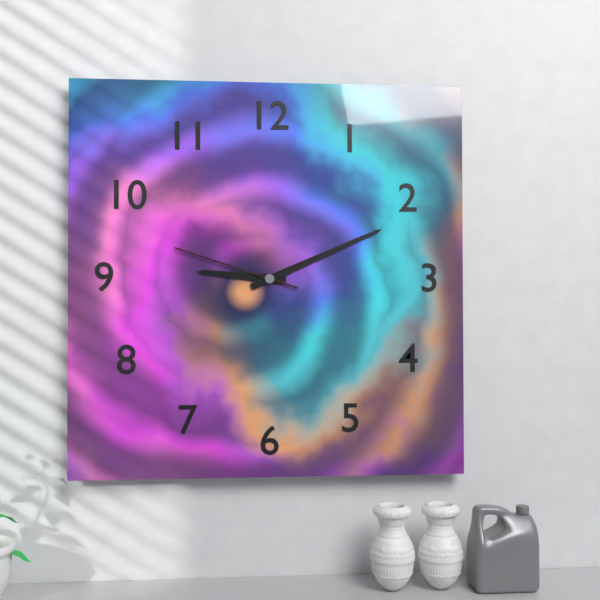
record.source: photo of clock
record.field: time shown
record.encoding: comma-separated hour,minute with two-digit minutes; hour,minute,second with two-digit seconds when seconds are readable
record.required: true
9,11,48
